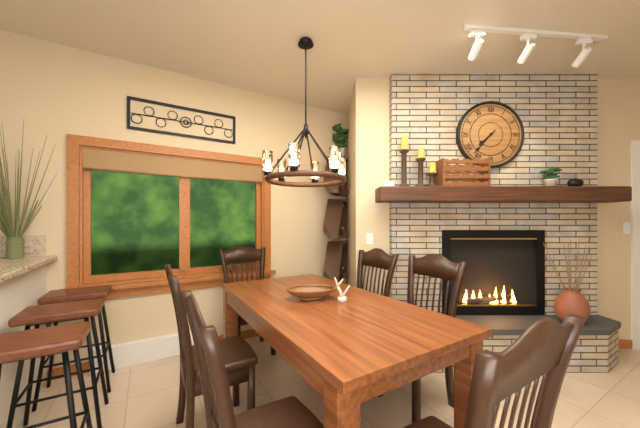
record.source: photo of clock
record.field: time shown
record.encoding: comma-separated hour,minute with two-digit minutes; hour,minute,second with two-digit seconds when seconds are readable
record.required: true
7,37
